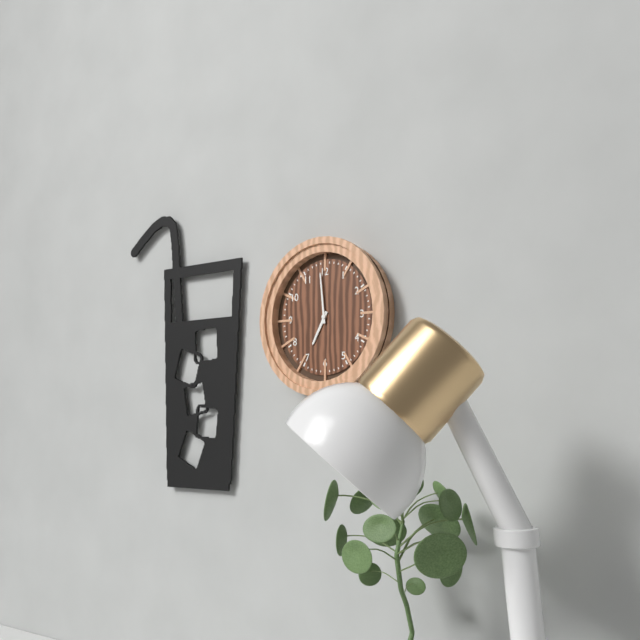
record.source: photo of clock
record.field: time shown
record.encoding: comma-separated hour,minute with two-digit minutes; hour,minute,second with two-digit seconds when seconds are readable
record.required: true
6,59
